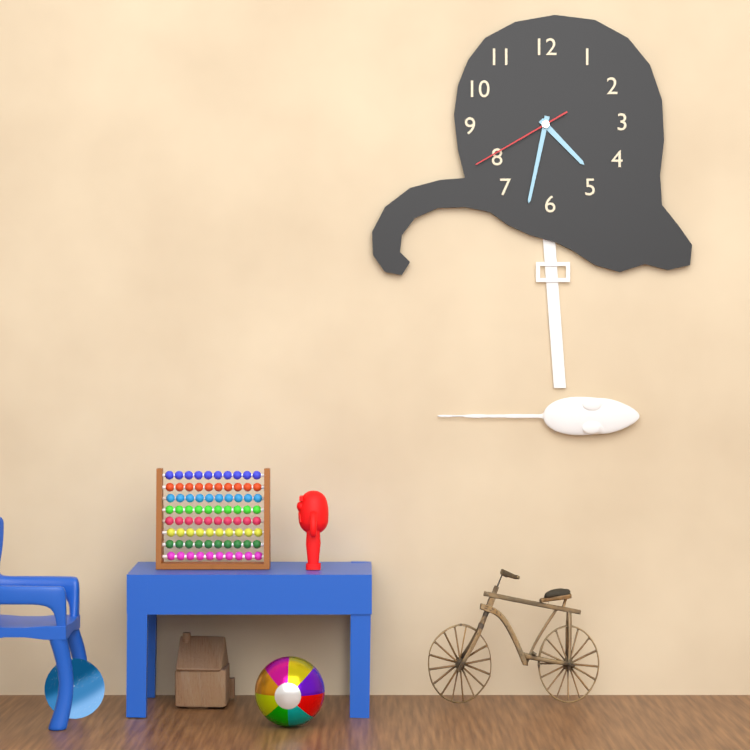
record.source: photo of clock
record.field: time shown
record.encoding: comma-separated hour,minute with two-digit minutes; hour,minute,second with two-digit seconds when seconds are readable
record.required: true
4,32,40
